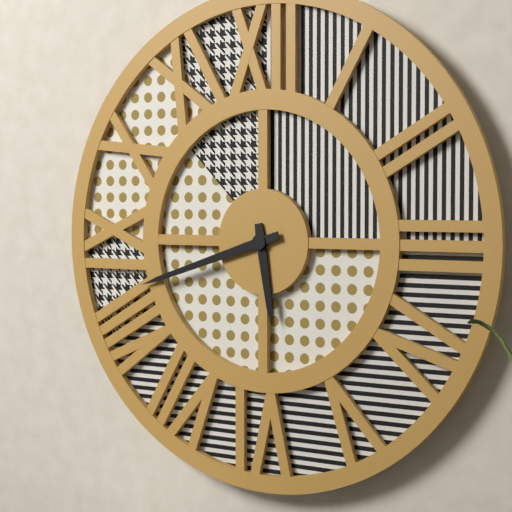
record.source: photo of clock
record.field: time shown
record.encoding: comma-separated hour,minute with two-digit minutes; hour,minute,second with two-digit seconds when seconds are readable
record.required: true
5,42
